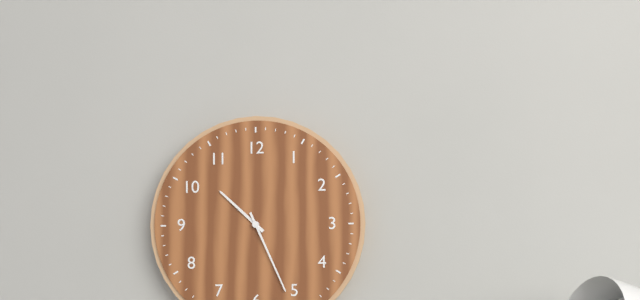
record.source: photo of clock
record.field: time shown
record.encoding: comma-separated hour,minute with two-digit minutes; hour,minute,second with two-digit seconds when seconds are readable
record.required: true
10,26
